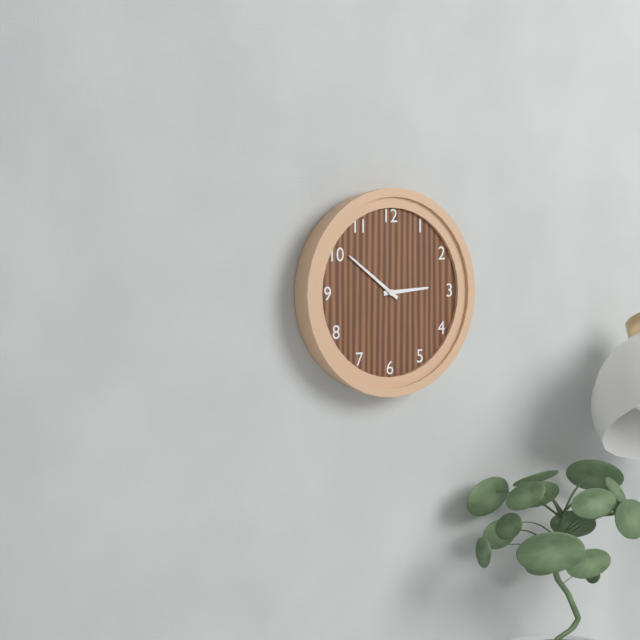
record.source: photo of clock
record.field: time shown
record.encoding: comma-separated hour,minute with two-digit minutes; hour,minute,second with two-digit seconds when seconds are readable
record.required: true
2,51
